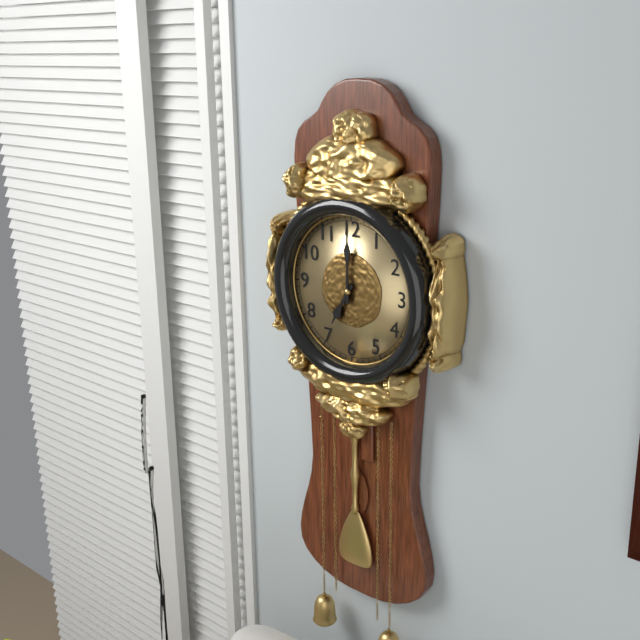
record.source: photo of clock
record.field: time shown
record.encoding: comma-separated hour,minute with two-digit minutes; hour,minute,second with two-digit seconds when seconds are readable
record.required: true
7,00
